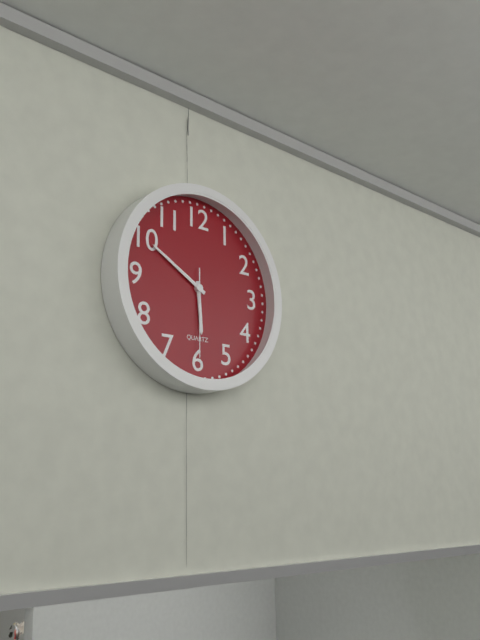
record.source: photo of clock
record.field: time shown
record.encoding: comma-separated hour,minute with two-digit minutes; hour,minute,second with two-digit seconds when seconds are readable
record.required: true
5,50,30
